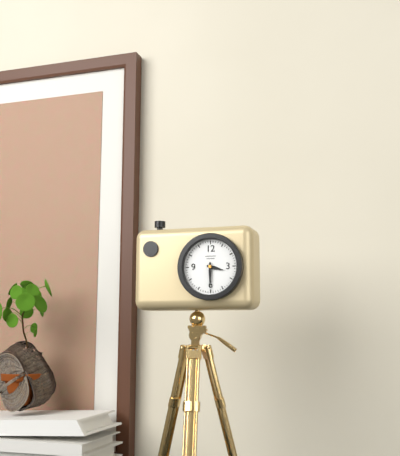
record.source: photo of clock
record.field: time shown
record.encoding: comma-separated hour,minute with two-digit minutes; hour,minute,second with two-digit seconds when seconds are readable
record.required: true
3,30
